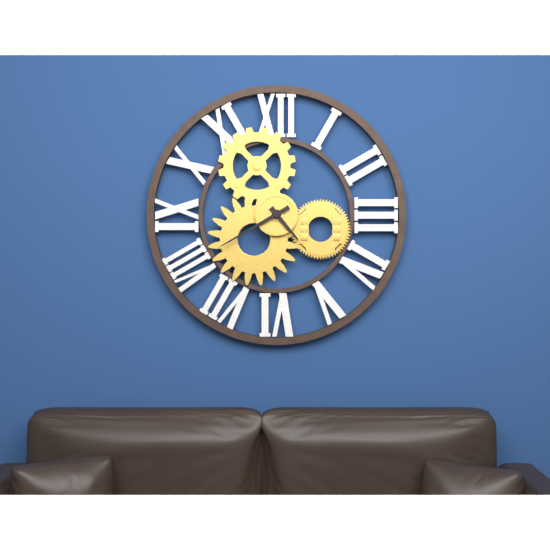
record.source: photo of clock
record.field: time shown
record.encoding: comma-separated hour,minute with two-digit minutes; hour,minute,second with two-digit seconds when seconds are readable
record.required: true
4,40
